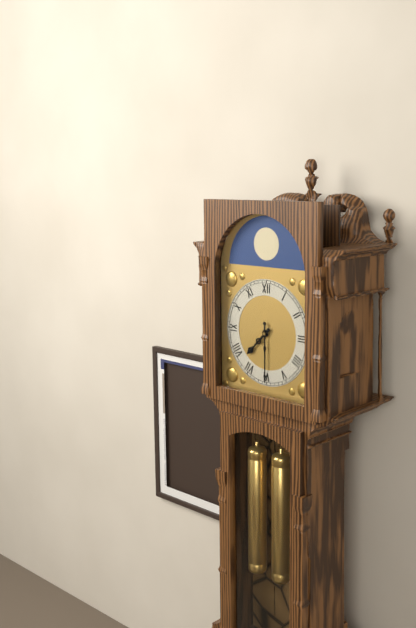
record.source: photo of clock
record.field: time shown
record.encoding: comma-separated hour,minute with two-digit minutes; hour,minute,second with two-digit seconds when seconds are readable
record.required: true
7,30
